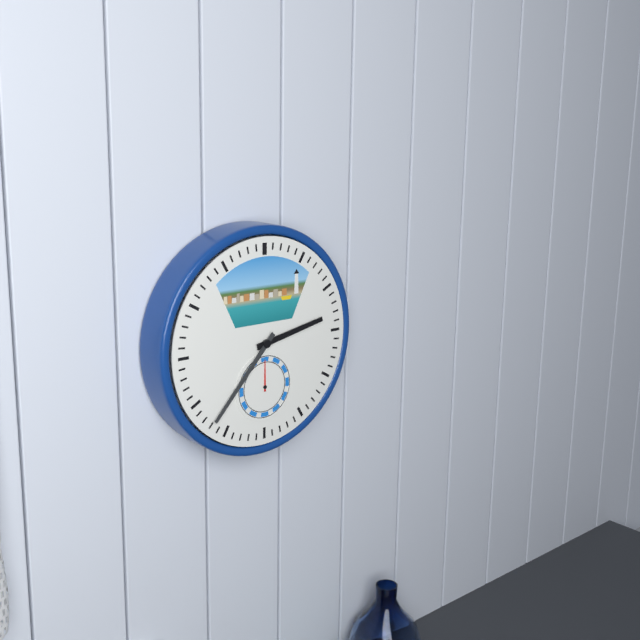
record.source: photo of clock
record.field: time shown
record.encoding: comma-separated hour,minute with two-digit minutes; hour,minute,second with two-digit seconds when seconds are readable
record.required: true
2,37
